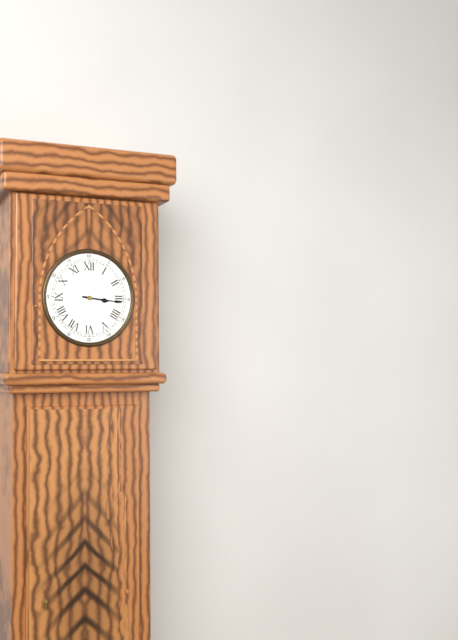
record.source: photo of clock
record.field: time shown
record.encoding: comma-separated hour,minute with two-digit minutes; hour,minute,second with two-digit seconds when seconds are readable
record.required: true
3,16
